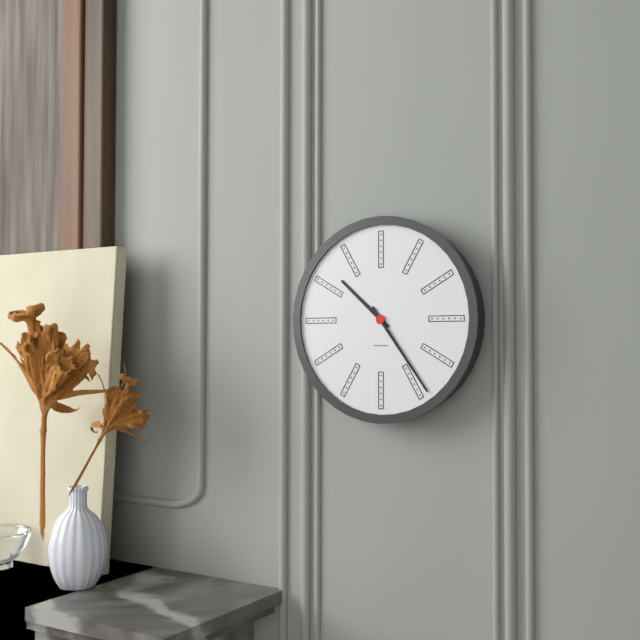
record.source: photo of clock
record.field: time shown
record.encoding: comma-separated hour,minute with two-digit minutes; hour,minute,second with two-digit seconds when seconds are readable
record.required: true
10,24
